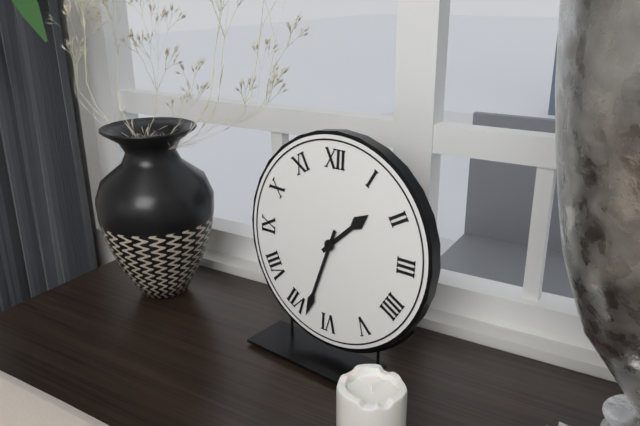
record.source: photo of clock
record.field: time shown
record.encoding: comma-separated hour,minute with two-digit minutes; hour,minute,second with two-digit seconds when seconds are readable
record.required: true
1,33
